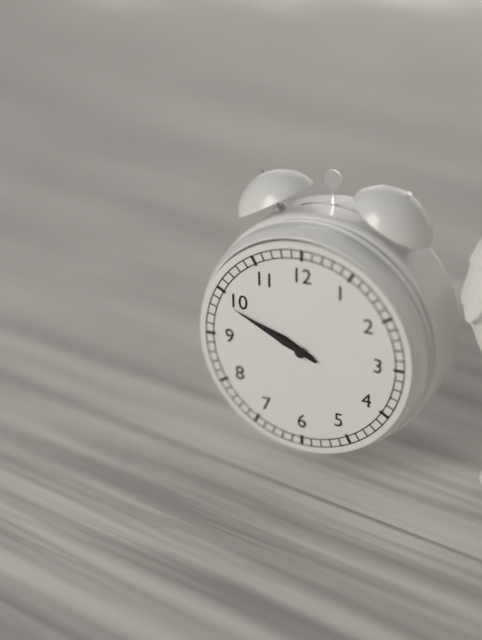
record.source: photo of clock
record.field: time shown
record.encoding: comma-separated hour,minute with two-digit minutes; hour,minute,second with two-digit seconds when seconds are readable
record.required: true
9,49
